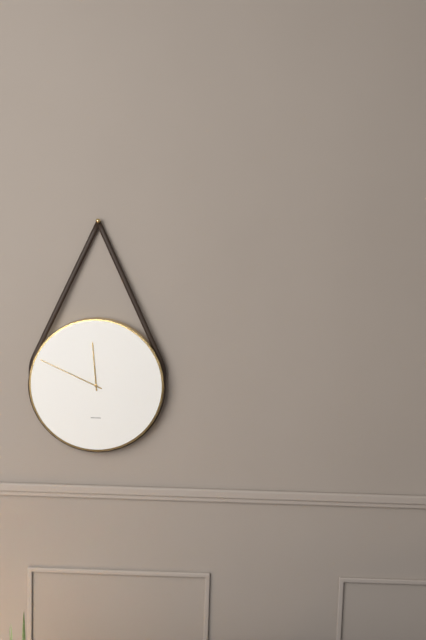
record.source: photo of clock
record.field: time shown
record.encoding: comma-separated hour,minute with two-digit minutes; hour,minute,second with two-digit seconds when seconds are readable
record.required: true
11,49
